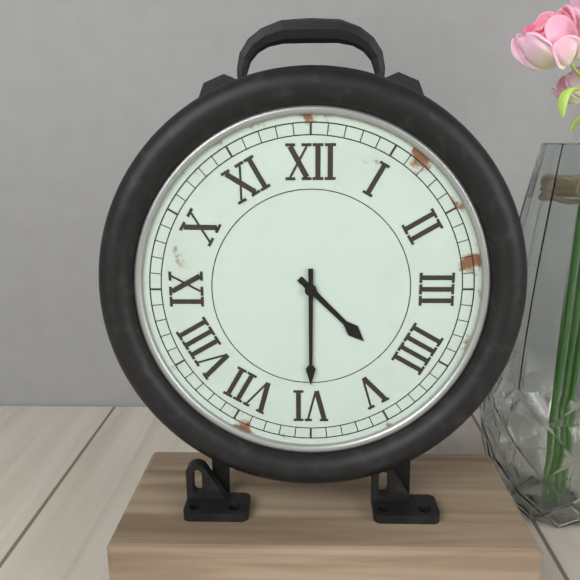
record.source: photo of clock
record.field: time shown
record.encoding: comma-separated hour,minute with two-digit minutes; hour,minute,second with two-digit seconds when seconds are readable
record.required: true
4,30
